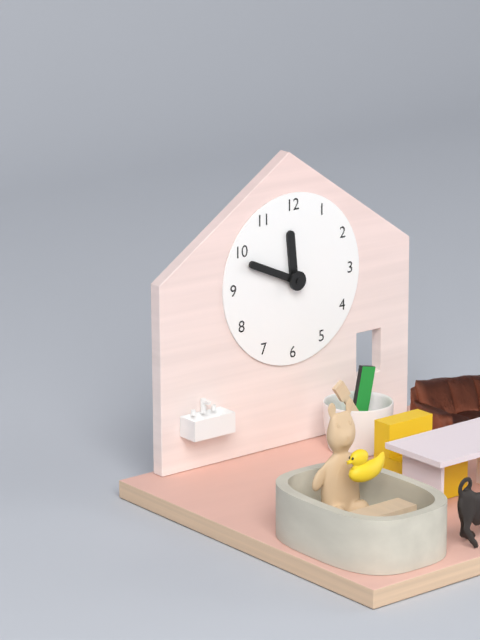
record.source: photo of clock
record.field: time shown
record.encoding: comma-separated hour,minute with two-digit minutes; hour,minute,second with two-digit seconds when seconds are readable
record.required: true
11,49
